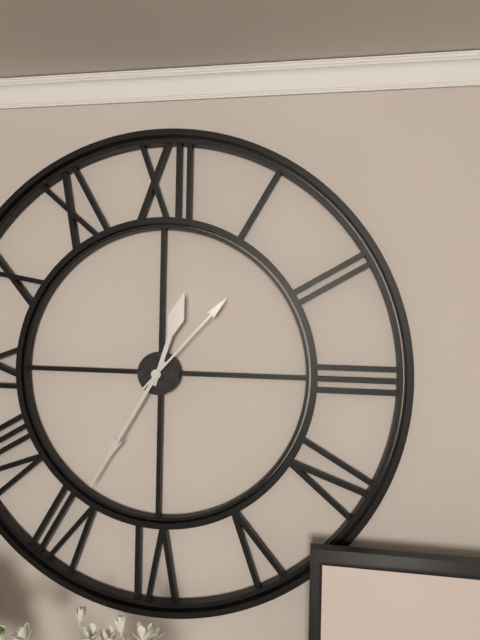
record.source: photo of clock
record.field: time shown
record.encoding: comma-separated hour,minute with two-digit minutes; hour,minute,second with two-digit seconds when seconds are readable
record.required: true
12,35,07
